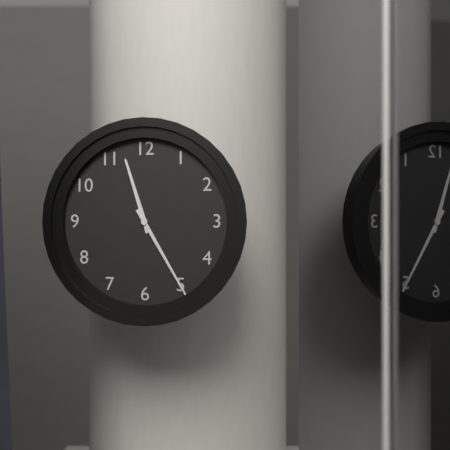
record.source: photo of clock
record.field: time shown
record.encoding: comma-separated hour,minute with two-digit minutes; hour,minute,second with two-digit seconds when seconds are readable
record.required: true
11,25
